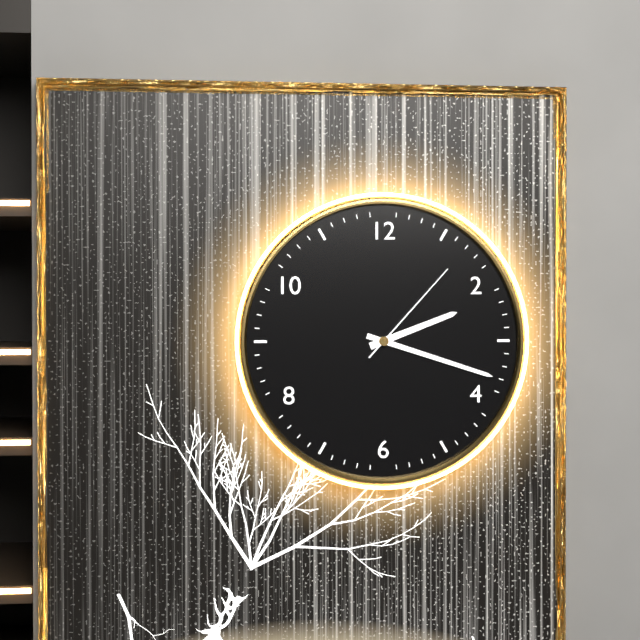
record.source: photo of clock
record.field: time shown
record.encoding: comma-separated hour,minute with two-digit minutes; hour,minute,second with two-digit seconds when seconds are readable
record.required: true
2,18,07
